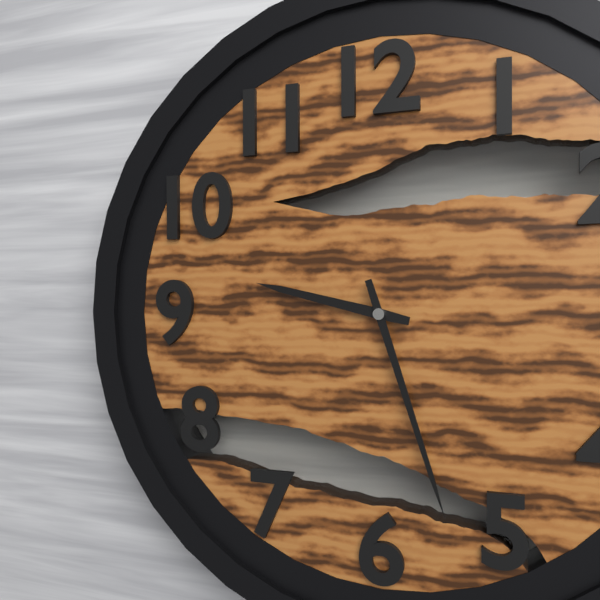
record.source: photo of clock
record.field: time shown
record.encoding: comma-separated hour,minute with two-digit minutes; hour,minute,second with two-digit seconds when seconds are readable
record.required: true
9,27
